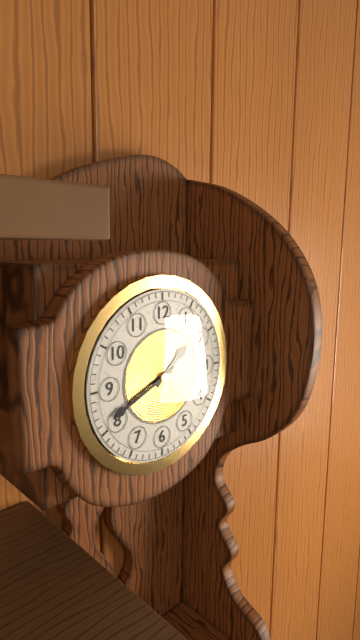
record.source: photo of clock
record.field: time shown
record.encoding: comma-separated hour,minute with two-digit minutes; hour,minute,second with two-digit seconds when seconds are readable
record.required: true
1,41
